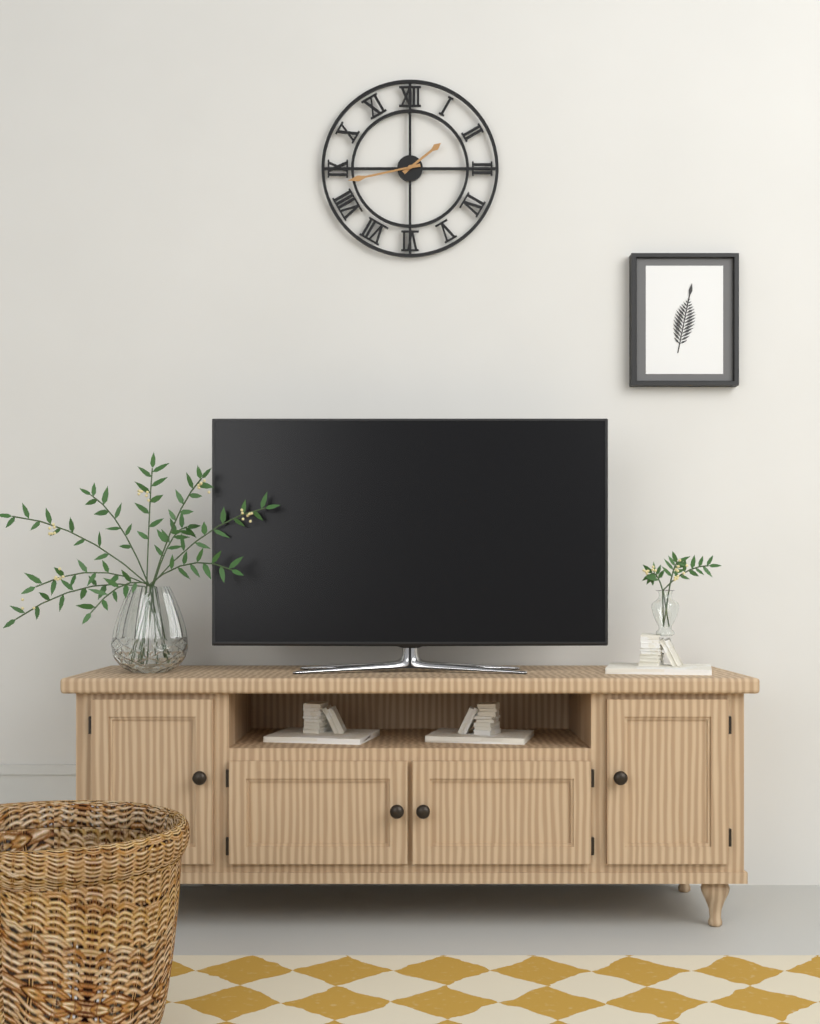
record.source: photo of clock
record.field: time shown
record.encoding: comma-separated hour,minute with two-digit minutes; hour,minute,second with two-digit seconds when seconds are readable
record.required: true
1,43
